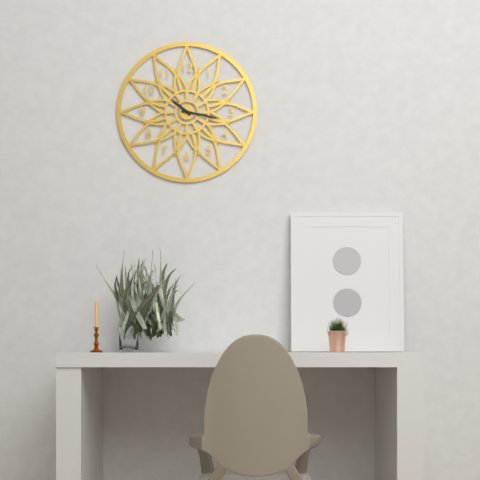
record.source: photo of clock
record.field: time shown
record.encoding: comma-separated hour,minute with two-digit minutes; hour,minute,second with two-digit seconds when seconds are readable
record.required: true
10,17
